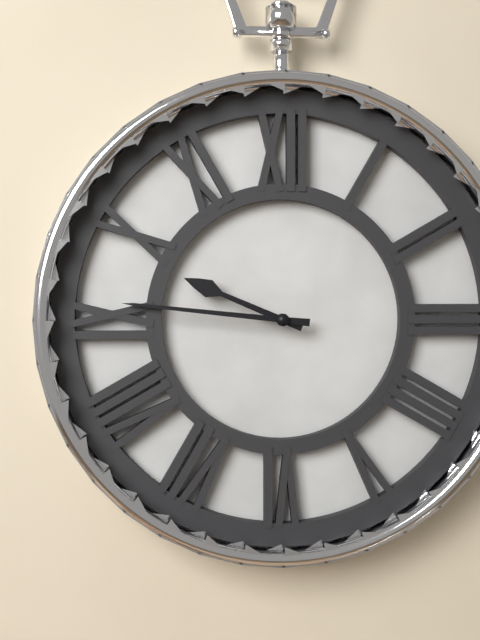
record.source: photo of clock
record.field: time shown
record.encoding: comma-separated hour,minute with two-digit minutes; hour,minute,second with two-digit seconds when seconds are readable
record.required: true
9,46
